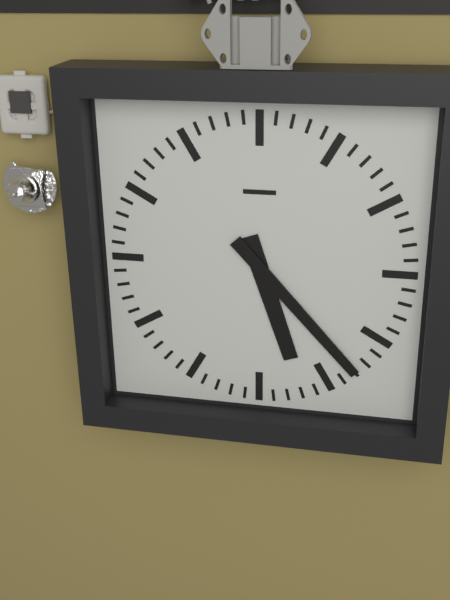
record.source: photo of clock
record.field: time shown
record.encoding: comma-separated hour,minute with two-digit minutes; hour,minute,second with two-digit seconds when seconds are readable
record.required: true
5,23
